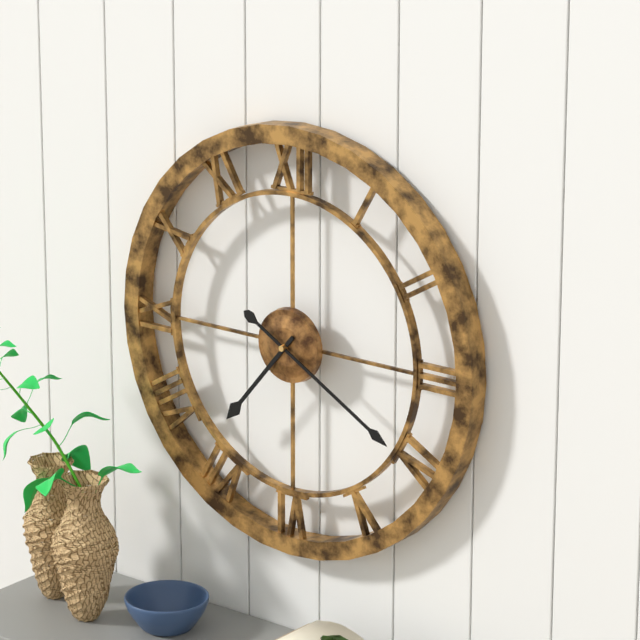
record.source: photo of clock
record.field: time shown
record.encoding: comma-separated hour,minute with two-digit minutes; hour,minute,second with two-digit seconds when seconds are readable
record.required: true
7,20
